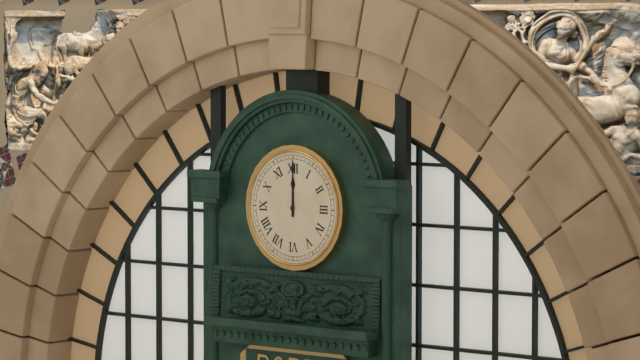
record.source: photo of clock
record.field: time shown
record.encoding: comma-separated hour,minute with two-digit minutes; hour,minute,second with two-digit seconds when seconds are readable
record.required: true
12,00
